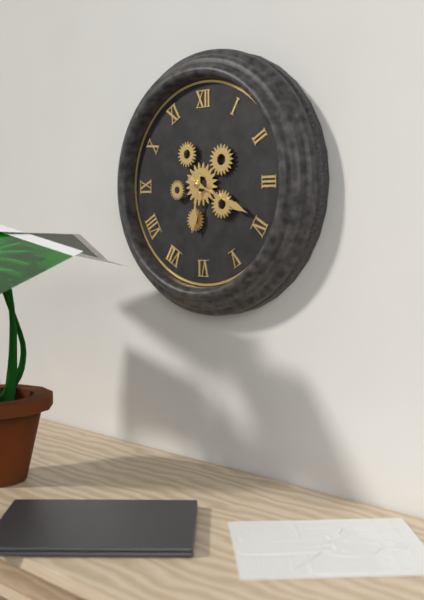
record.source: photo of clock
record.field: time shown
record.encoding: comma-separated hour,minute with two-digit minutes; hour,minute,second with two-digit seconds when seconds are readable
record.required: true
6,19
